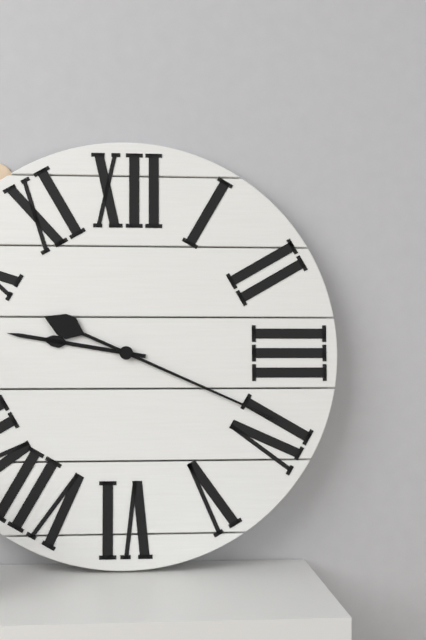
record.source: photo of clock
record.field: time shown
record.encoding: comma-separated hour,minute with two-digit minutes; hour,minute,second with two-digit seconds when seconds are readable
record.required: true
9,19
